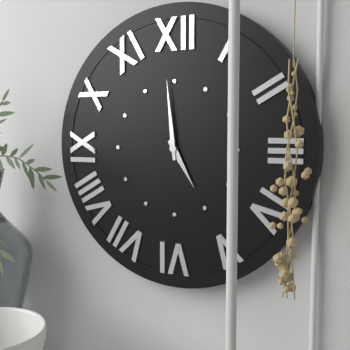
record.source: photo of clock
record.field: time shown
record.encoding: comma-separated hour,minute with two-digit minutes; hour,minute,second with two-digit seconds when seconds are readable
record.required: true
4,59
